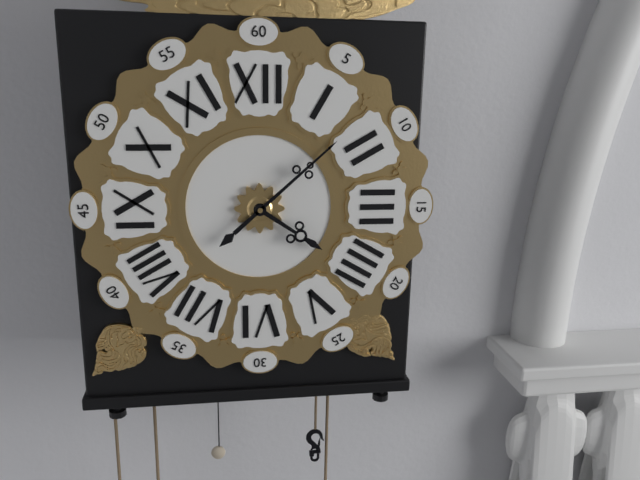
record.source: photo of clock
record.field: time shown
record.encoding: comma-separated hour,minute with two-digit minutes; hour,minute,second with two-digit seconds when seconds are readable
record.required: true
4,08
